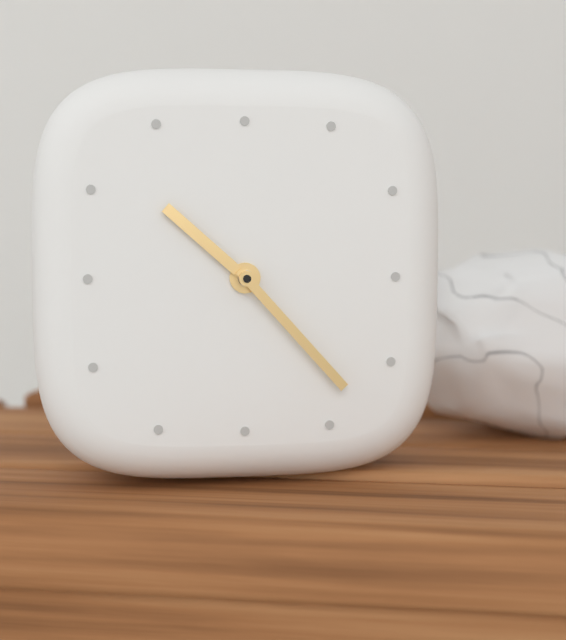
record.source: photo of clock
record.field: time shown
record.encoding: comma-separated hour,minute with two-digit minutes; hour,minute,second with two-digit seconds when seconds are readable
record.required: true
10,23
